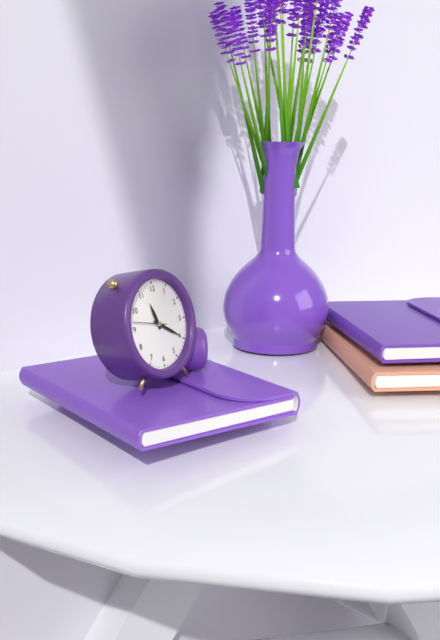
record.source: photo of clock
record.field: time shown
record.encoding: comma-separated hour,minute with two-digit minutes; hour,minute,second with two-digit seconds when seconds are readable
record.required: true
11,20
